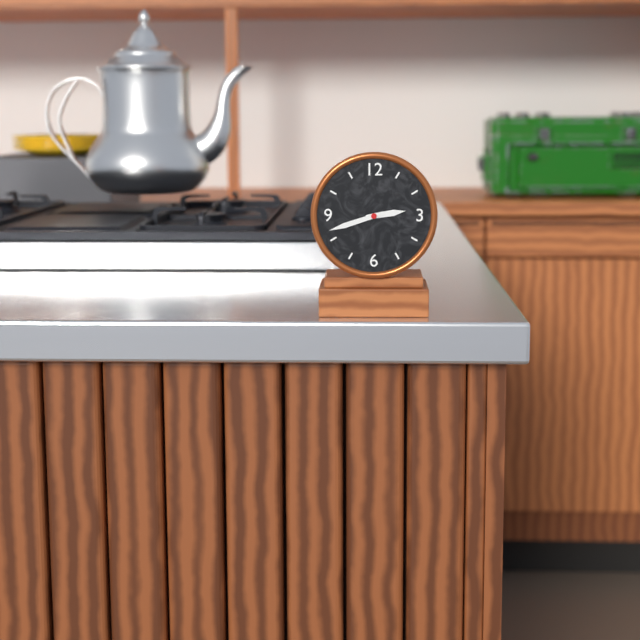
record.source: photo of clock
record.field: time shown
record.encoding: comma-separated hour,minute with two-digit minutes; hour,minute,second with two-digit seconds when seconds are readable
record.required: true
2,42
